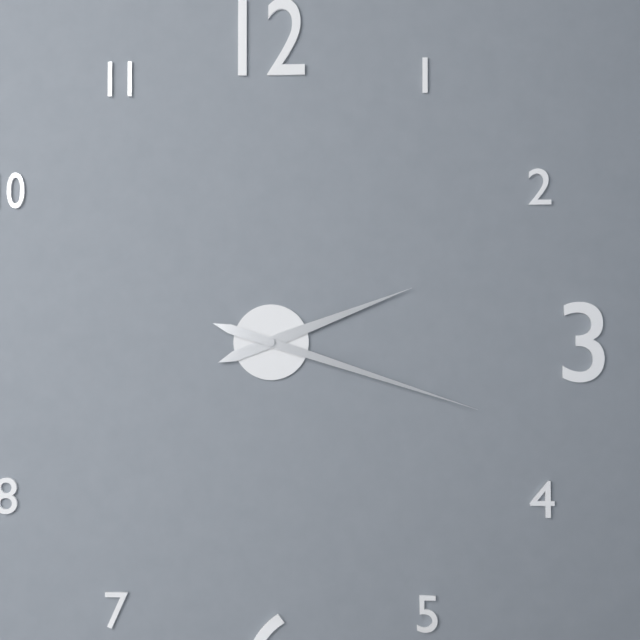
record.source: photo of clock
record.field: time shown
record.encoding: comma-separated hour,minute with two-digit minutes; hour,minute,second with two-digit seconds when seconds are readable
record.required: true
2,18
